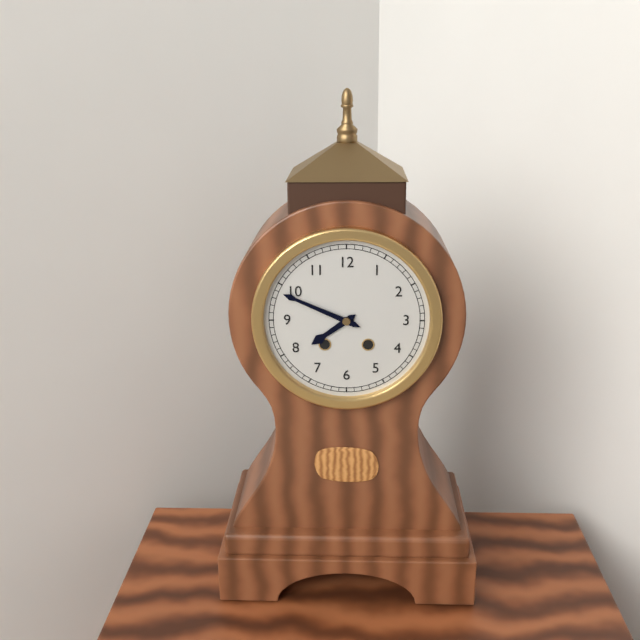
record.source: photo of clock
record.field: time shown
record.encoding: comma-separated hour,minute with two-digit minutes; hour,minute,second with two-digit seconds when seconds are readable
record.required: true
7,49
